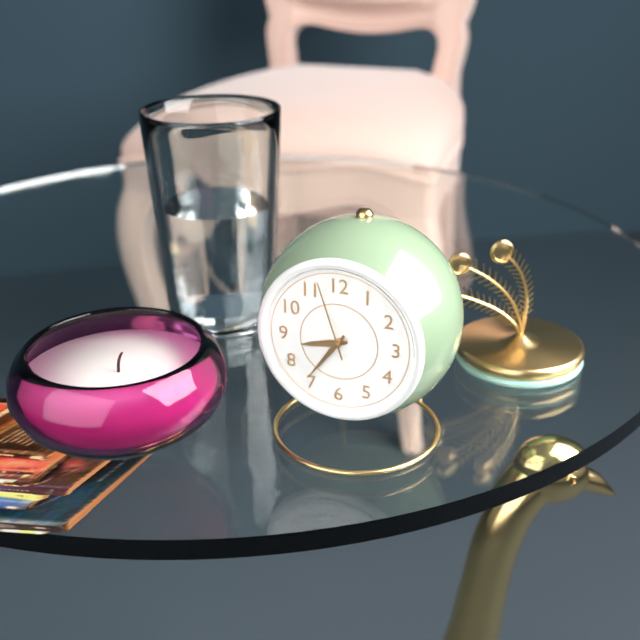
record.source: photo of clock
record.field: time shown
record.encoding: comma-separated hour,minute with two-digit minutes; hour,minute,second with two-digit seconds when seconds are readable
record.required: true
8,36,57
